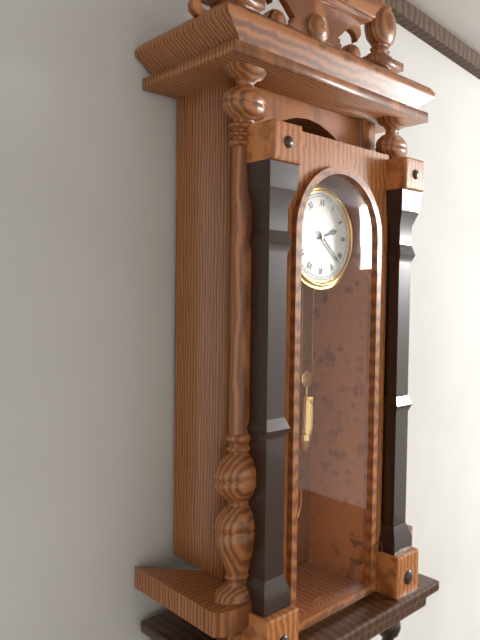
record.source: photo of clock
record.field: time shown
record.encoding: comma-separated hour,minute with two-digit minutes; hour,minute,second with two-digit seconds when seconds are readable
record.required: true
2,22
